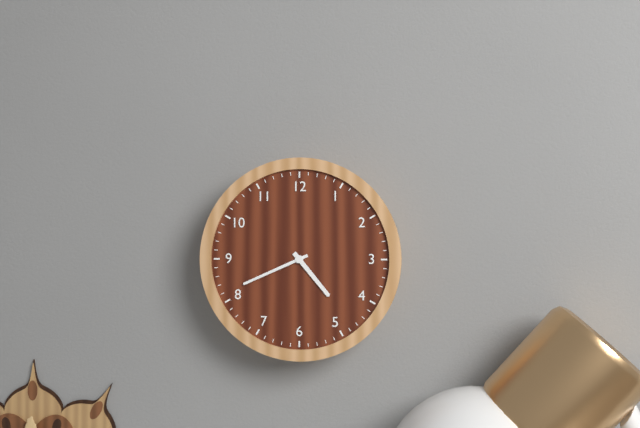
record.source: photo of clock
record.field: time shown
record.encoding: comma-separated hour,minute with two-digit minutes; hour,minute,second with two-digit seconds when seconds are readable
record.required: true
4,41
